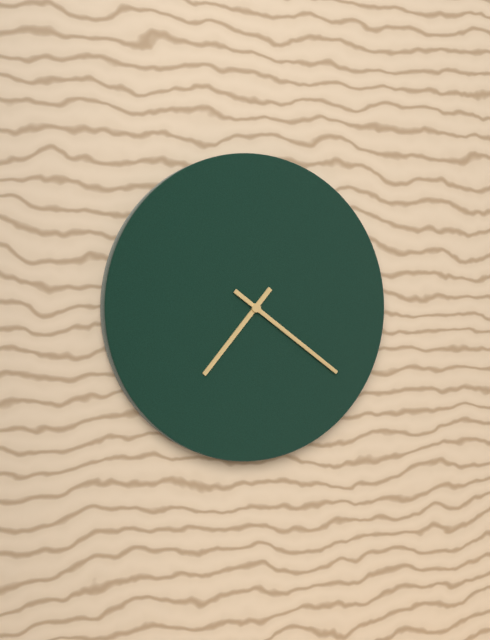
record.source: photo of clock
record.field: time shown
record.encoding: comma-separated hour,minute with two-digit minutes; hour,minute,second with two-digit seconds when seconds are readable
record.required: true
7,21
